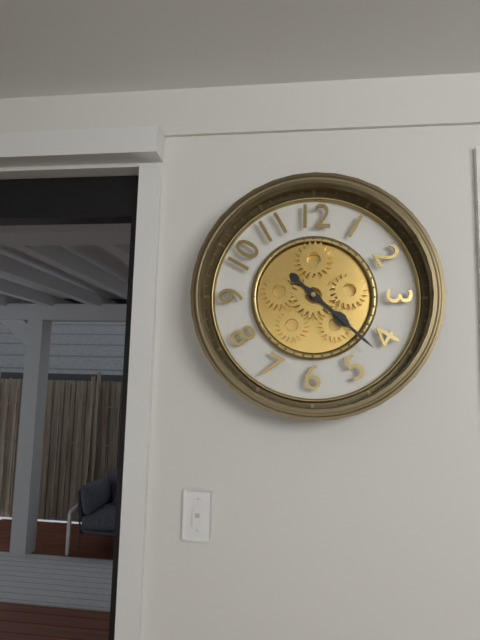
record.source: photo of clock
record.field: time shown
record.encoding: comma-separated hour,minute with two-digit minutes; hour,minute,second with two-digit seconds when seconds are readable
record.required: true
4,22
